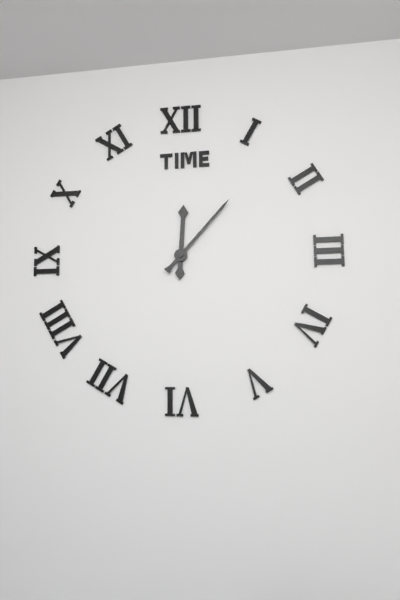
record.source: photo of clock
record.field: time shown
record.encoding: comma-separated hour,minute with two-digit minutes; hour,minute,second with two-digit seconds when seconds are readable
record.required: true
12,07
